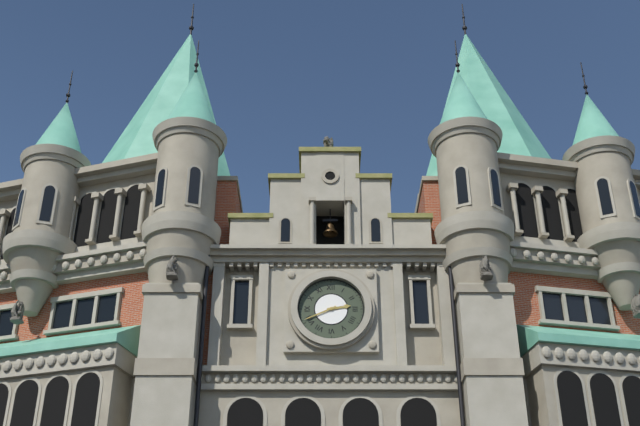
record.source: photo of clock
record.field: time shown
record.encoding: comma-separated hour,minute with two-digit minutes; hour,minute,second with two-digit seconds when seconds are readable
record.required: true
2,41
